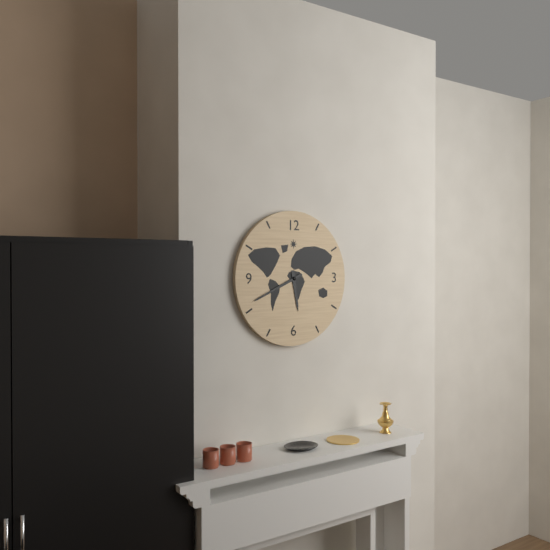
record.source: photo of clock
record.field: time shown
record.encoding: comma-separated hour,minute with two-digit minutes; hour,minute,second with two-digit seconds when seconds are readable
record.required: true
5,41
